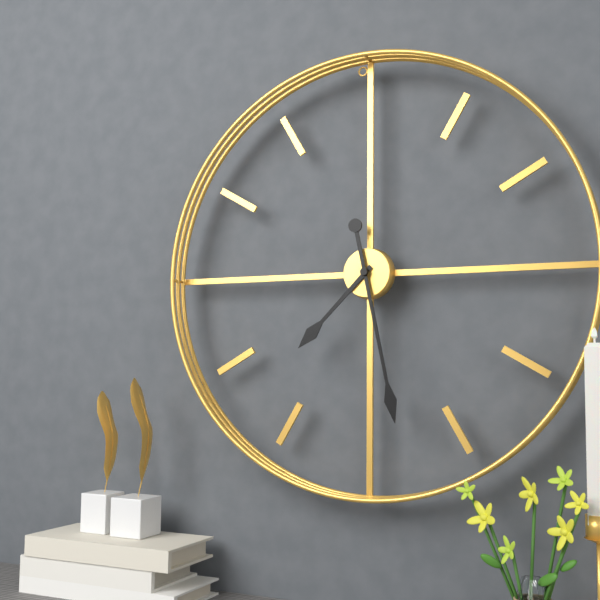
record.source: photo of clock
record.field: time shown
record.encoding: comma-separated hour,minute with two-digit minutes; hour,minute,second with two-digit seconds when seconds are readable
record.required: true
7,28
